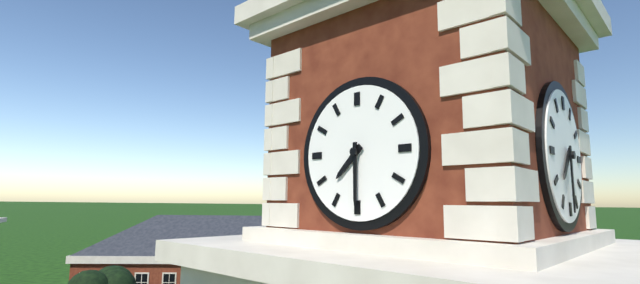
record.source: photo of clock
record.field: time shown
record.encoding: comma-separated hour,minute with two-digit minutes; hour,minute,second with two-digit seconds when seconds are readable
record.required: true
7,30
